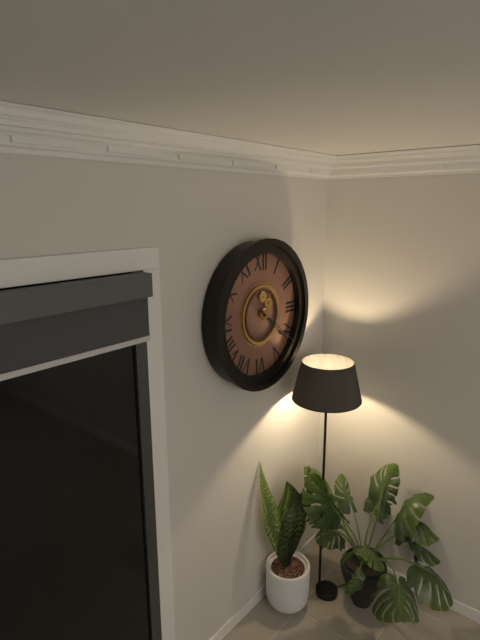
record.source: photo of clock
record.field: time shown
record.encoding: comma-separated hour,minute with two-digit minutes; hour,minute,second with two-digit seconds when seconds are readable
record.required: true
4,21
